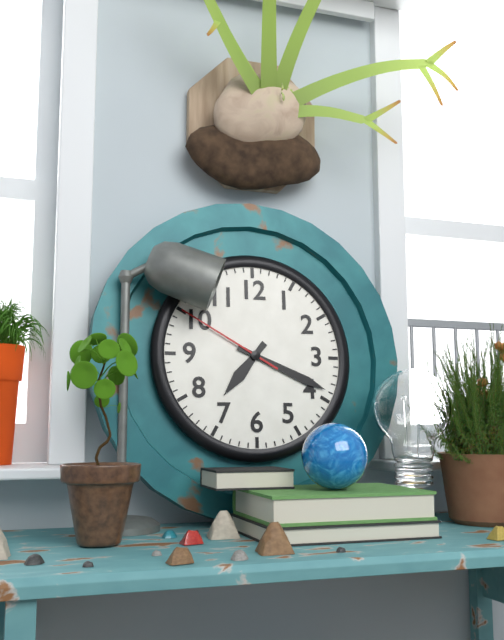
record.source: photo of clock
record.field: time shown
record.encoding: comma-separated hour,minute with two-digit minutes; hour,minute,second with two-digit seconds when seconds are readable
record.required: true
7,19,50
